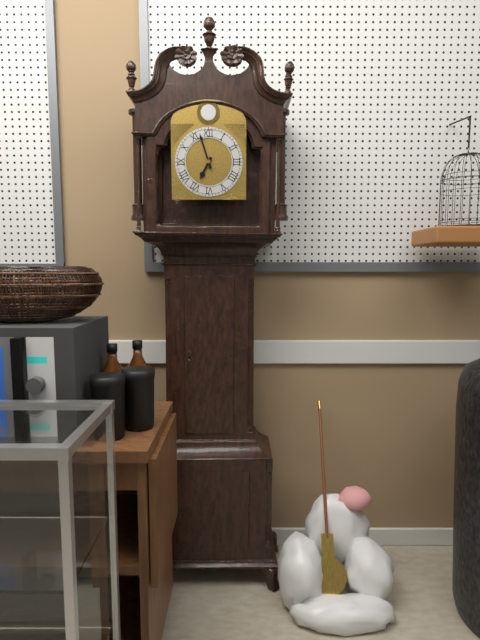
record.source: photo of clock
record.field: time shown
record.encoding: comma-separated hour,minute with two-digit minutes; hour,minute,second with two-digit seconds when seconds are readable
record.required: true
6,57
